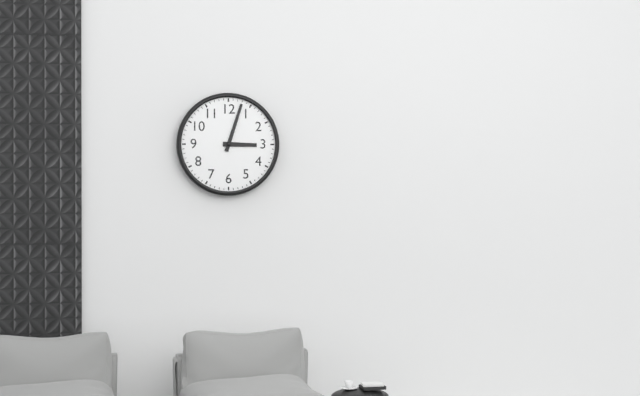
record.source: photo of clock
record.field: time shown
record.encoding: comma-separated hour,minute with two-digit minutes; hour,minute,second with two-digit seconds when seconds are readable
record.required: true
3,03
